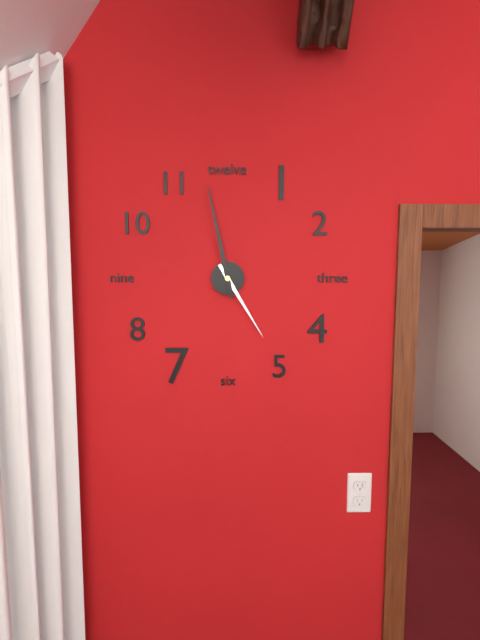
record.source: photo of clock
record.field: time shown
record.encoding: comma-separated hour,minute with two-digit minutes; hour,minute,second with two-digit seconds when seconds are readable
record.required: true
4,58
